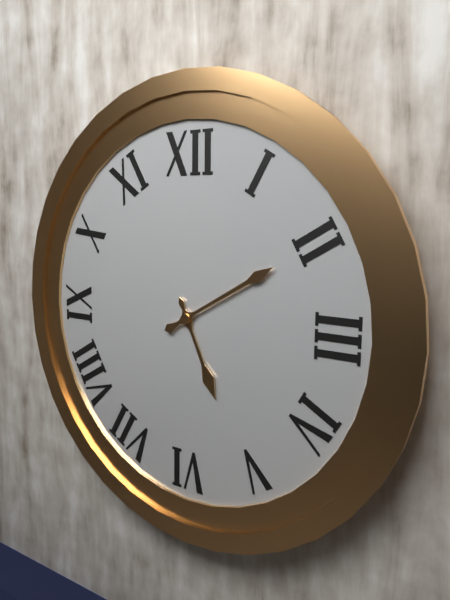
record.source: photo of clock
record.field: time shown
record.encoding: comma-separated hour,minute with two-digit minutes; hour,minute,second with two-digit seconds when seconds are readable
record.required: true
5,10
